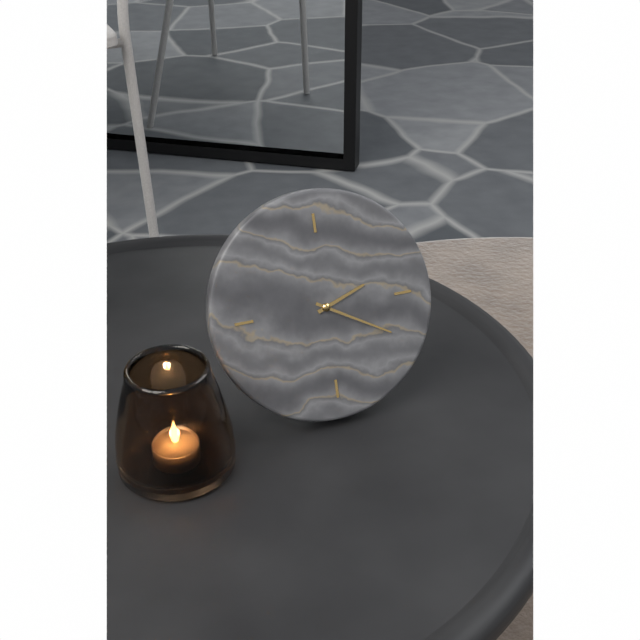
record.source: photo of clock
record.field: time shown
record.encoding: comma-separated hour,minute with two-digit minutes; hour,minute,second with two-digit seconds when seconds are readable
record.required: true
2,20
